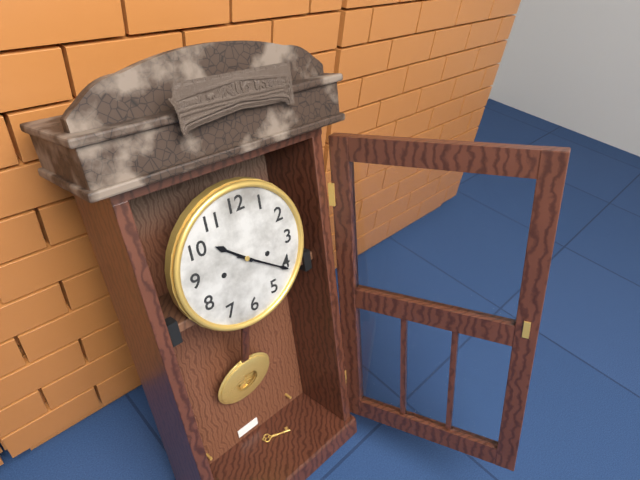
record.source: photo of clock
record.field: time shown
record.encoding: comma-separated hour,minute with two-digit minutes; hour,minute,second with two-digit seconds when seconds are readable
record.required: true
10,21
